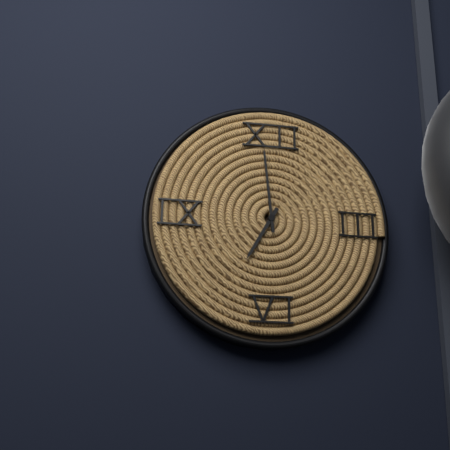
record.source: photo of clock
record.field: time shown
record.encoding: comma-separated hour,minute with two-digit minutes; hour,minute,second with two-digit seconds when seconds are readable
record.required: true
6,59
